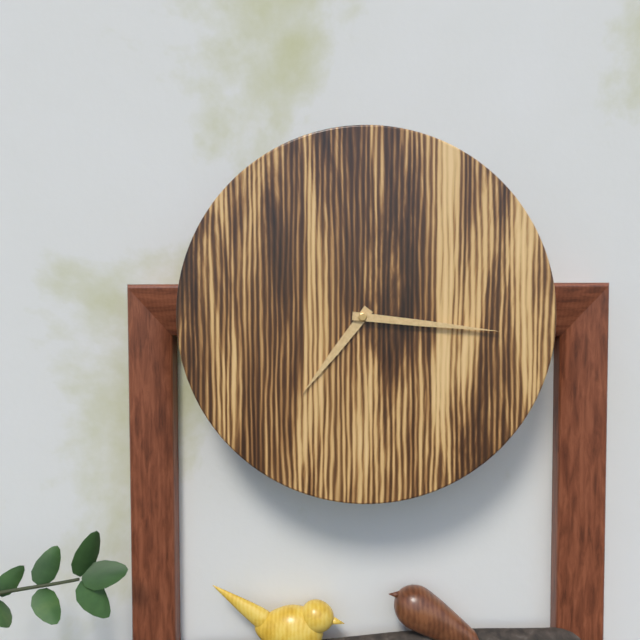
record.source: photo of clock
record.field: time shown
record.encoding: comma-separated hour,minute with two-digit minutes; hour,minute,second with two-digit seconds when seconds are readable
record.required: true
7,16
